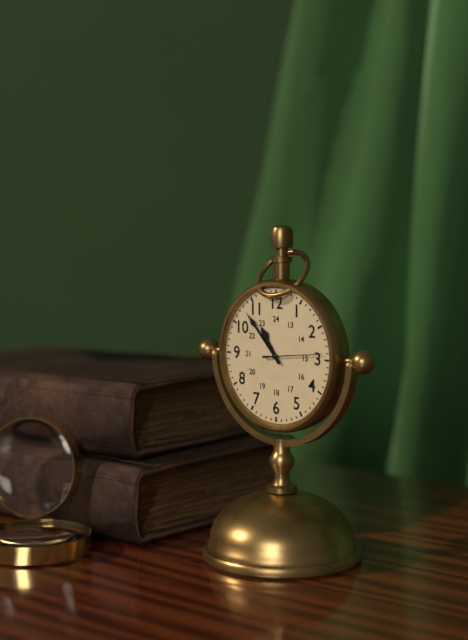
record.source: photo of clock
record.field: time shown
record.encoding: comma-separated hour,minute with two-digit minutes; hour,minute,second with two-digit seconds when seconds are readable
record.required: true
10,53,14
